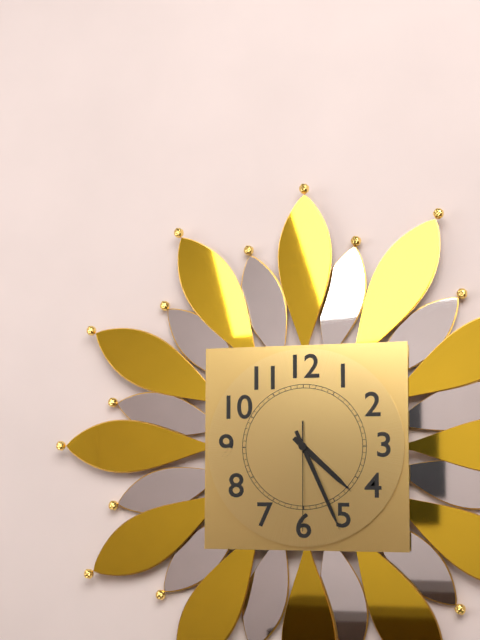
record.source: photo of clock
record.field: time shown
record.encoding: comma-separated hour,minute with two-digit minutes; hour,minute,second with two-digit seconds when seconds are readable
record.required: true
4,26,30
